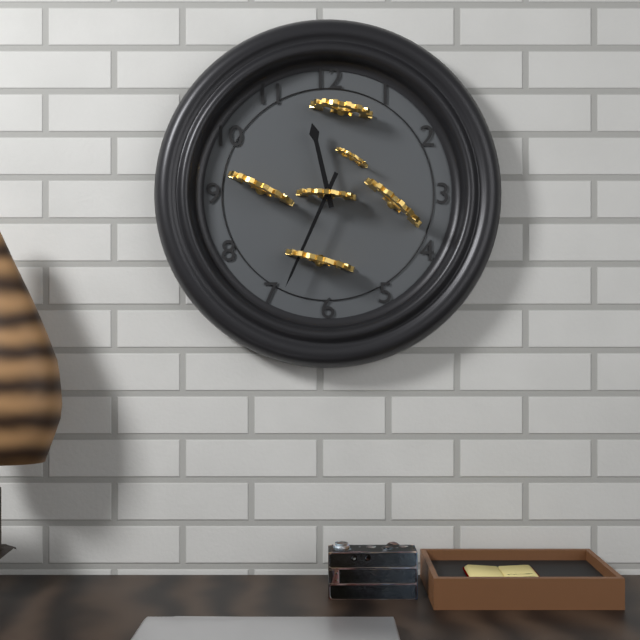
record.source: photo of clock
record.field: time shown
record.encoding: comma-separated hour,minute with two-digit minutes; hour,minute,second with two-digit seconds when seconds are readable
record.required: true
11,34
